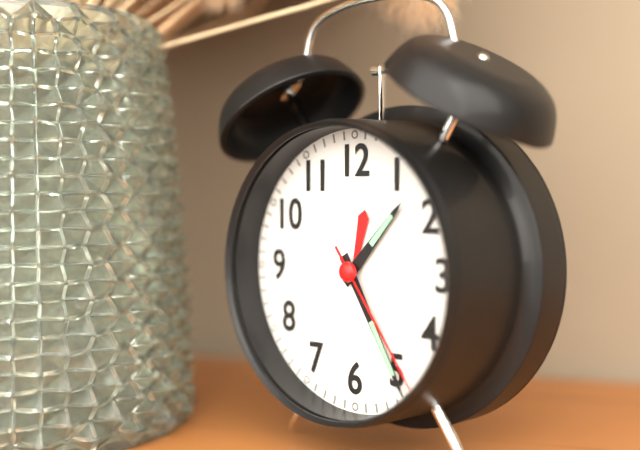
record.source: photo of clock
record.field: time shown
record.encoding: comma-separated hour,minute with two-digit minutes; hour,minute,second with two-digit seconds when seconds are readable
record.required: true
1,25,24
